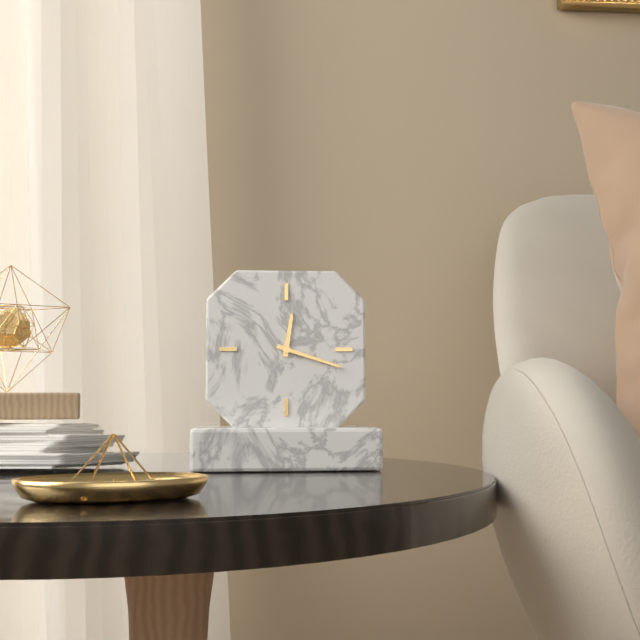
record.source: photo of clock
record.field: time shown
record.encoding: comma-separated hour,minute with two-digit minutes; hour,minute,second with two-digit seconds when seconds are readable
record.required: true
12,18
